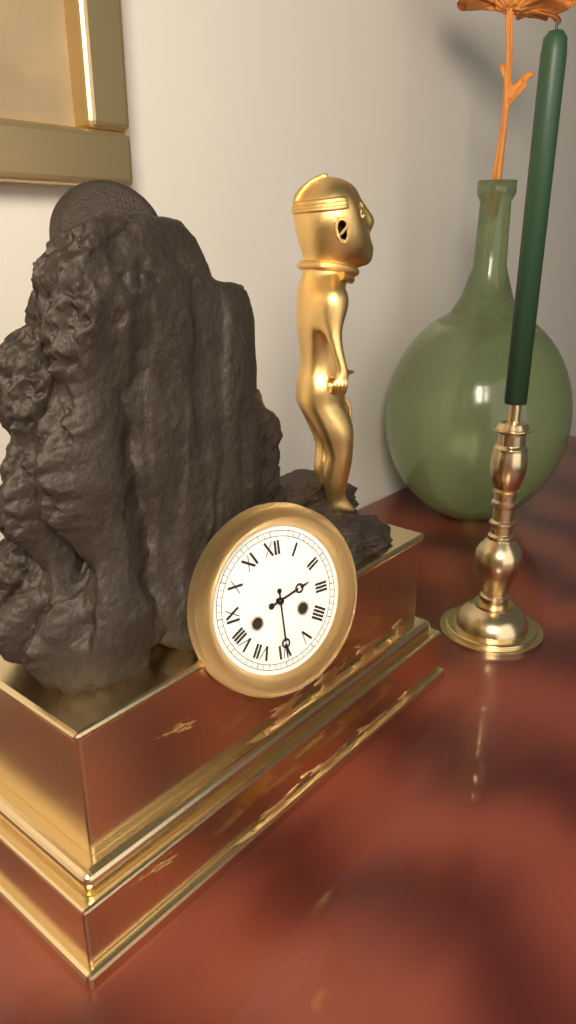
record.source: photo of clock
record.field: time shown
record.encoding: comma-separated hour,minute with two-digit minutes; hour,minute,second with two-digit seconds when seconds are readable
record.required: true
2,30
